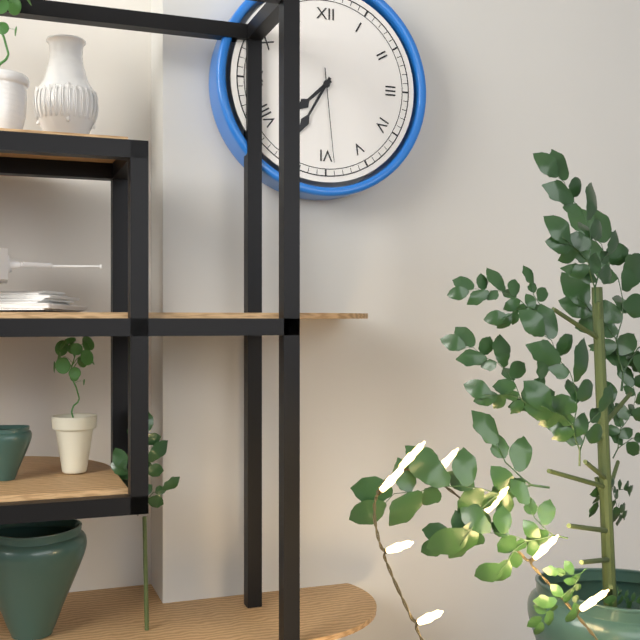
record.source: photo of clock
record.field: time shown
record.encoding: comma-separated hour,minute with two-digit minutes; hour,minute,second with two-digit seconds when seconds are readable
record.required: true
7,35,29
